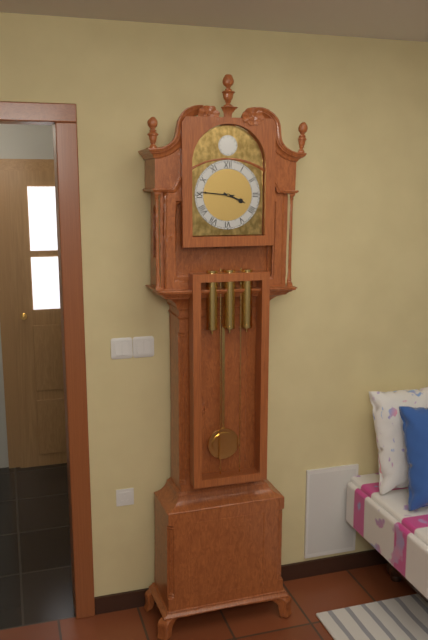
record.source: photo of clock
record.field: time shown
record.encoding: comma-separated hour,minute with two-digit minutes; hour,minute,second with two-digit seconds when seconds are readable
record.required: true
3,46
